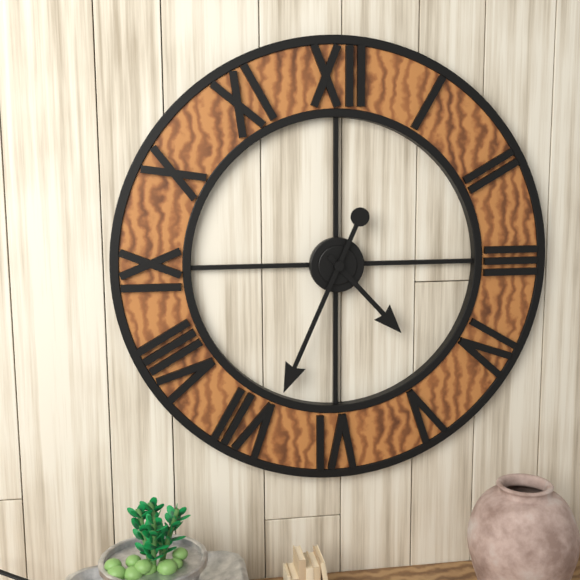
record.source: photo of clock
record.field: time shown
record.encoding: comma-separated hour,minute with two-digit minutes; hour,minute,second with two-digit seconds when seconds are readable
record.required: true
4,34
